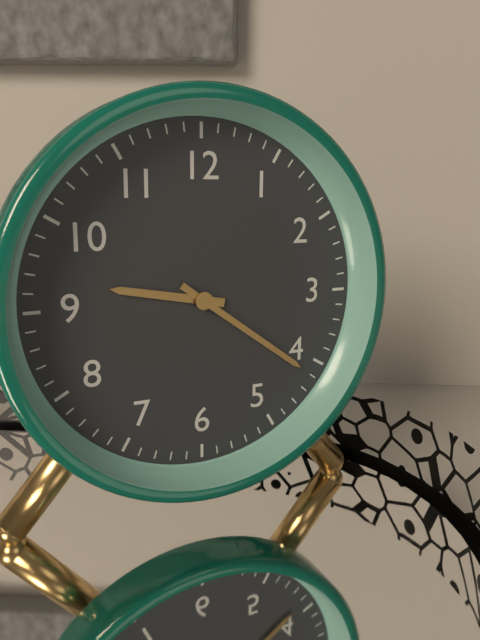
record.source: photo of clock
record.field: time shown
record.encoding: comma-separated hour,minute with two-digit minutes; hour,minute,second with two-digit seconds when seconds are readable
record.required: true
9,21
